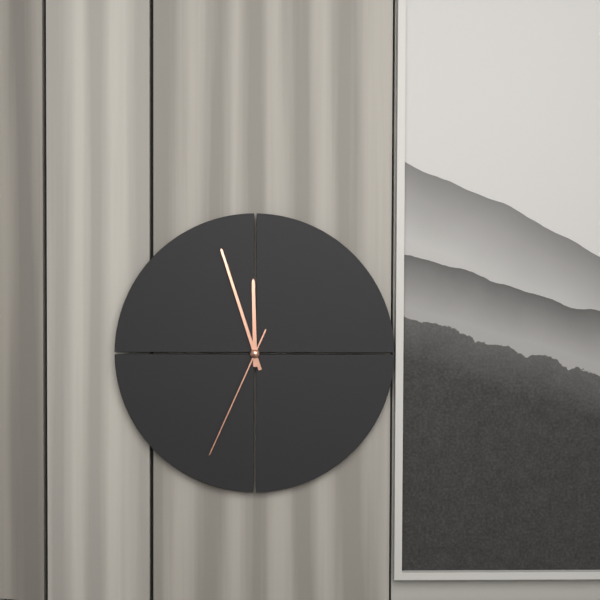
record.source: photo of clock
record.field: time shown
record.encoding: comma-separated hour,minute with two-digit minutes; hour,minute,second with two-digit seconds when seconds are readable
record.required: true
11,57,34
